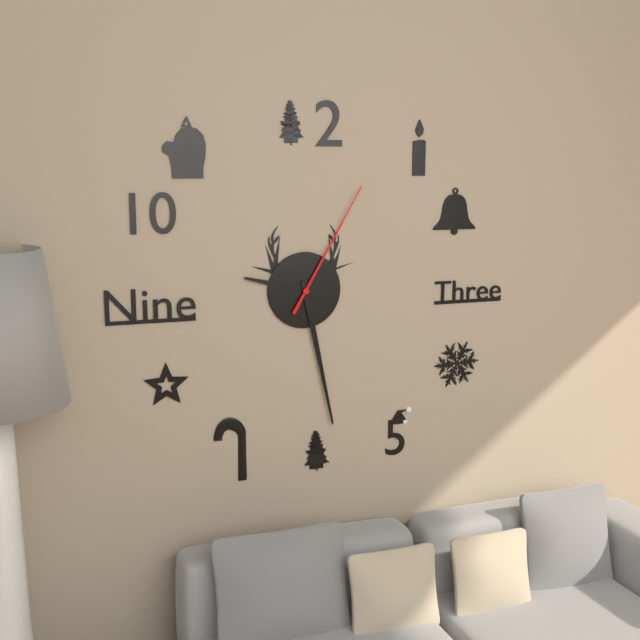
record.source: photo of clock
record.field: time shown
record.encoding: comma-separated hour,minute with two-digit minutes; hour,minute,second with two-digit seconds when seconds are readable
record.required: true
9,28,05
